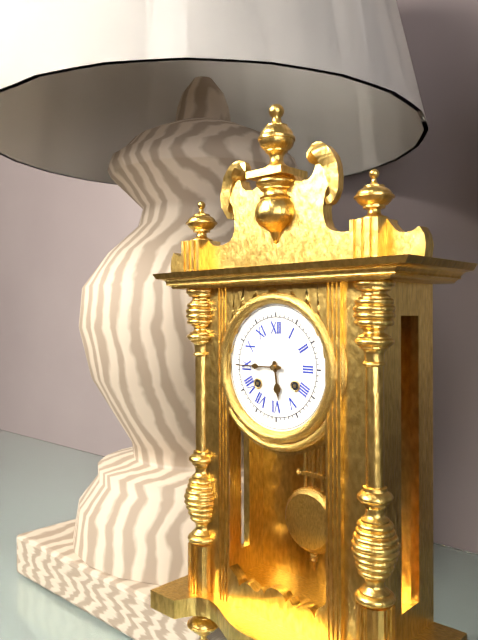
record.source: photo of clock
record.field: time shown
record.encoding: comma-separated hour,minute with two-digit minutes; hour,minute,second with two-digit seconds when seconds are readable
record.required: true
5,45
